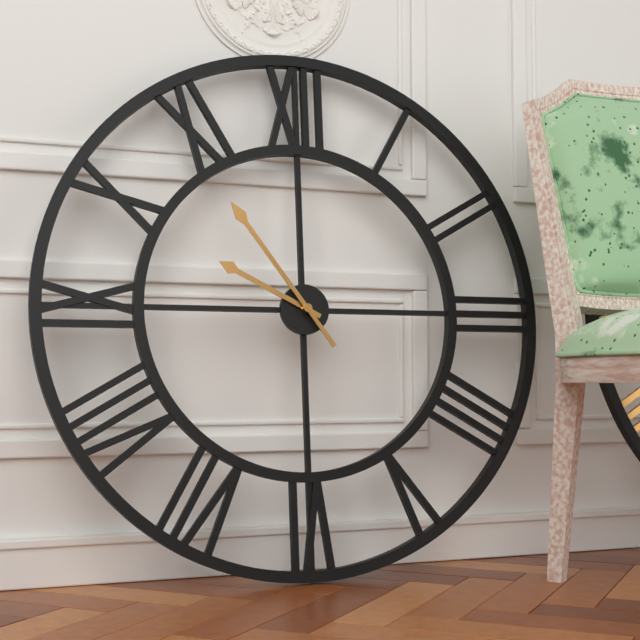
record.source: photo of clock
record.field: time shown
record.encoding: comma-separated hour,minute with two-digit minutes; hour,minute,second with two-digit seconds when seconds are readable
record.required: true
9,54
